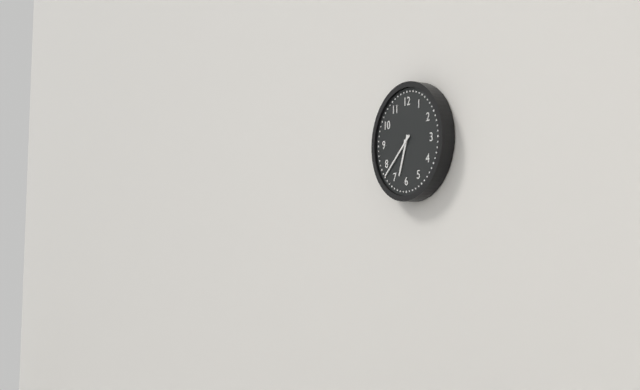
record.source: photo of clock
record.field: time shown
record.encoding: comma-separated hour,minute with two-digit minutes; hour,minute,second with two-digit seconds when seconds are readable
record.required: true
6,38
